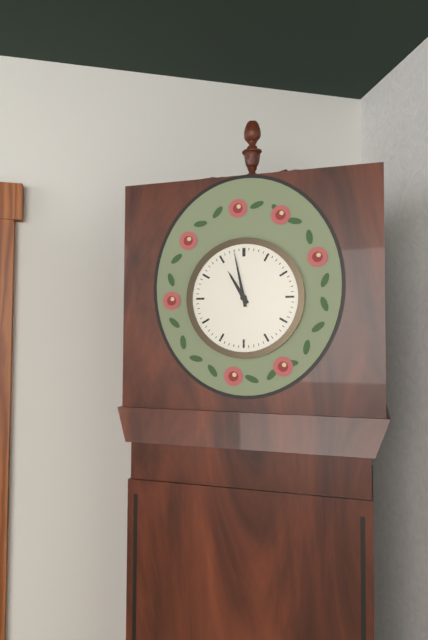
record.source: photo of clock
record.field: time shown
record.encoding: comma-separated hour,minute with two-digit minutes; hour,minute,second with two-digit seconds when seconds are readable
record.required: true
10,58
